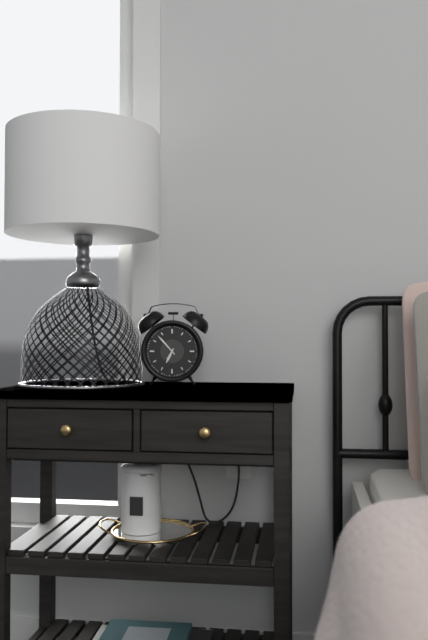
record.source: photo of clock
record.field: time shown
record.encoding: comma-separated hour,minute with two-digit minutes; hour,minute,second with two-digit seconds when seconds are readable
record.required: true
6,53
